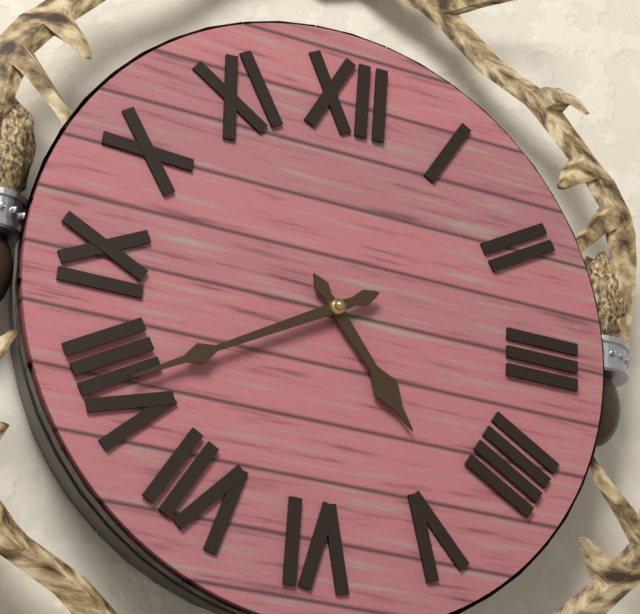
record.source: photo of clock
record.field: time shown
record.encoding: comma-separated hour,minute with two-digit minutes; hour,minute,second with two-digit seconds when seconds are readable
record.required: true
4,40
